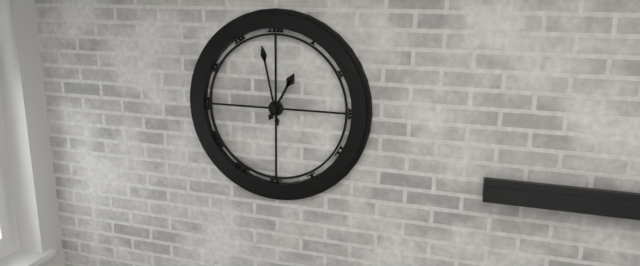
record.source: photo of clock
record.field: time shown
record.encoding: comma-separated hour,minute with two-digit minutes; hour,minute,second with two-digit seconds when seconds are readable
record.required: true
12,58
